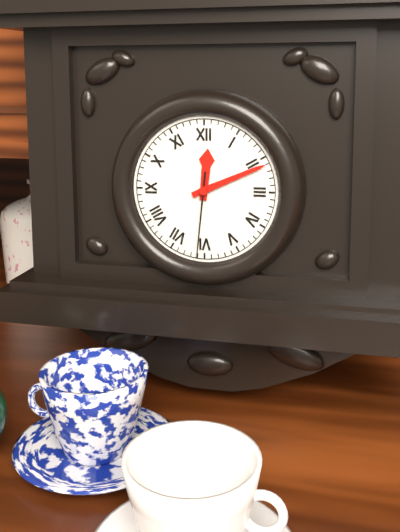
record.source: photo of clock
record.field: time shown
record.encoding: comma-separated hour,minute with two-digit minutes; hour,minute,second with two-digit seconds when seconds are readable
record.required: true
12,11,31
